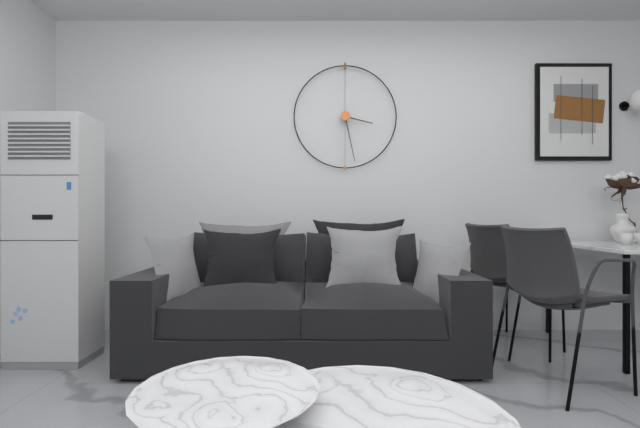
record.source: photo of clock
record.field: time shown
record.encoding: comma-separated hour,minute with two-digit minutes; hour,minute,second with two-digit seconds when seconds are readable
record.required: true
3,28
